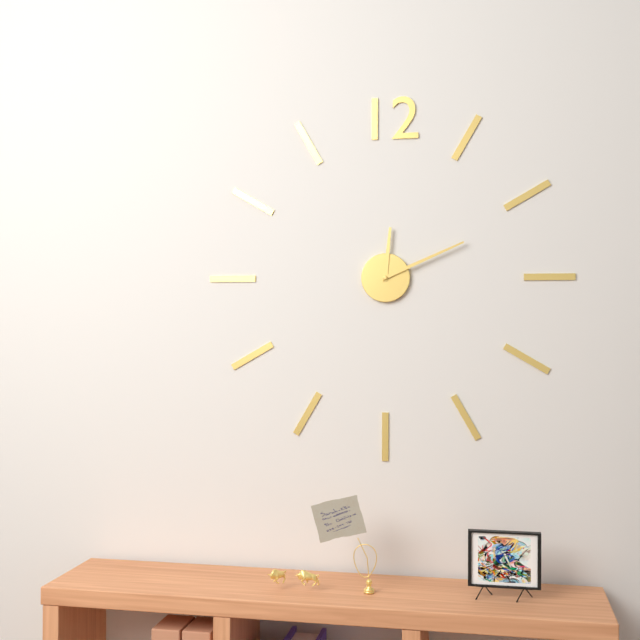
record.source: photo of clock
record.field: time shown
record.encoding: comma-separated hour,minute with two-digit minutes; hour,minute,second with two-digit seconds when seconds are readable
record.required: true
12,11
